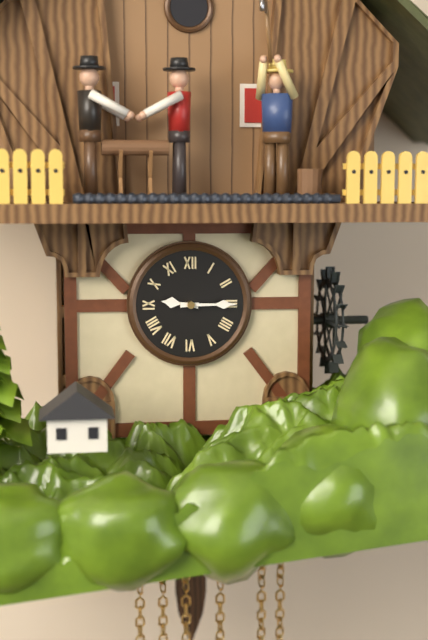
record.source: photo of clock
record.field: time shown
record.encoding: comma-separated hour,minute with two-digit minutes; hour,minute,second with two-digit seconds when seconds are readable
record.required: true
9,15
